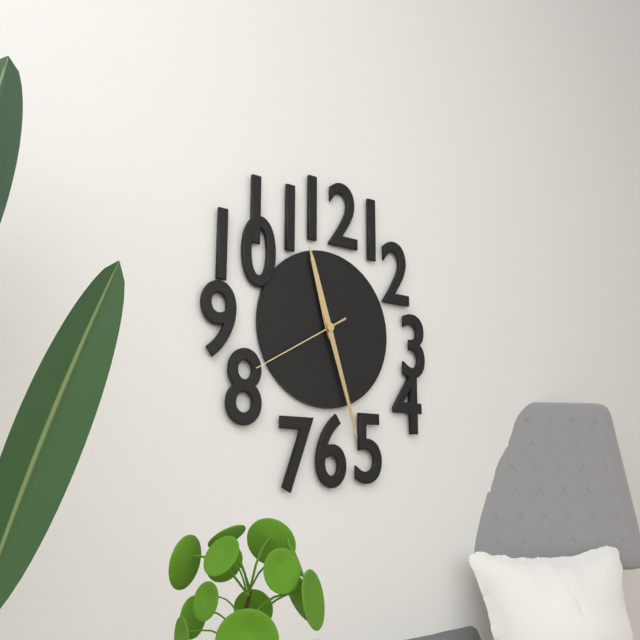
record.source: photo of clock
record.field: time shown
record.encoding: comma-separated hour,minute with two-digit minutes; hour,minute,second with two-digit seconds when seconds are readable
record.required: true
11,27,40
